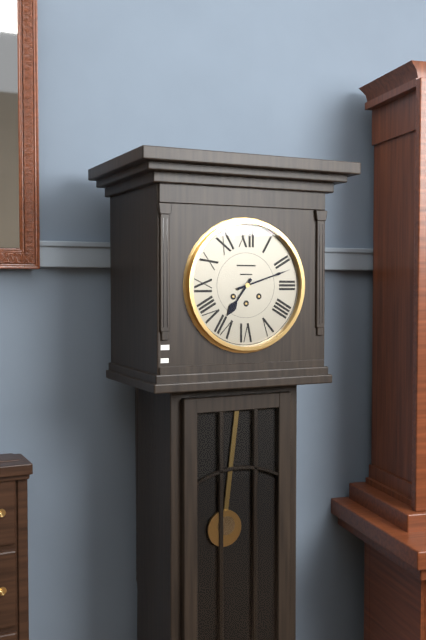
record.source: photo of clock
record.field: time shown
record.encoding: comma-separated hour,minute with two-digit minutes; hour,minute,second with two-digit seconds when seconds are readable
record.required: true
7,12
